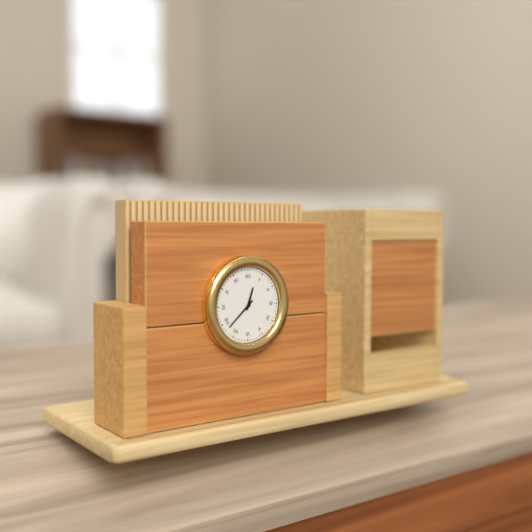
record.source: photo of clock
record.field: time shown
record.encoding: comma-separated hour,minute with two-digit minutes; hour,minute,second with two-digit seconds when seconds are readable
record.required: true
12,38
